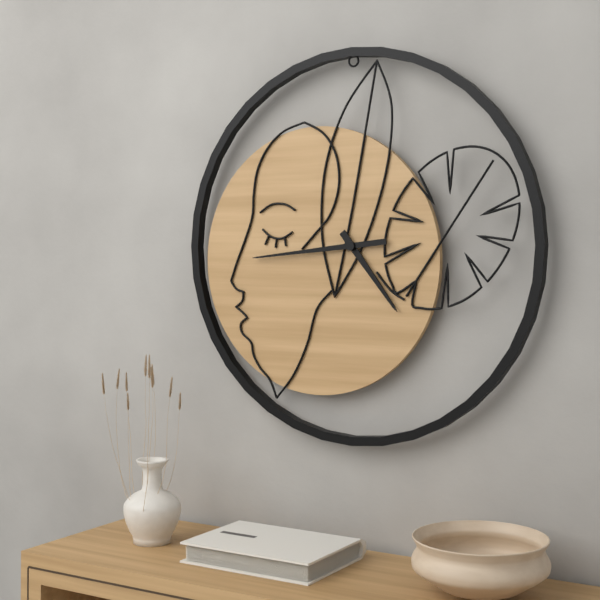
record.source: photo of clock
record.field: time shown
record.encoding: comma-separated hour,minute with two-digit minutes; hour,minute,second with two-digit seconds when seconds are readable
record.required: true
4,44
